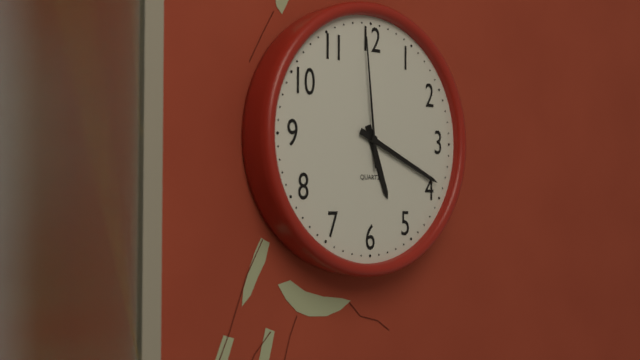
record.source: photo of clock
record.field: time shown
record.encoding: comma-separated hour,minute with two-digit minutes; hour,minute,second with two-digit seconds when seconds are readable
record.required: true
5,19,59
